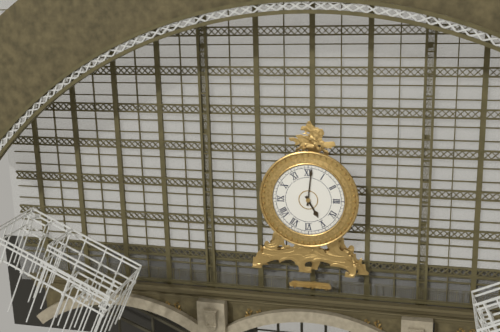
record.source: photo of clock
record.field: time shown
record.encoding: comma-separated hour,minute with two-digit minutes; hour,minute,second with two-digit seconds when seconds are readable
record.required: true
5,01
